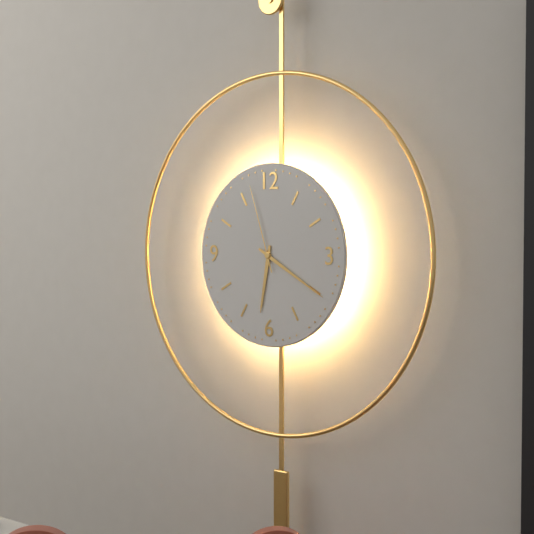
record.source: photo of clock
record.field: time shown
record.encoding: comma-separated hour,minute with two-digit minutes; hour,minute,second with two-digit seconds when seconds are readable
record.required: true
6,20,57
